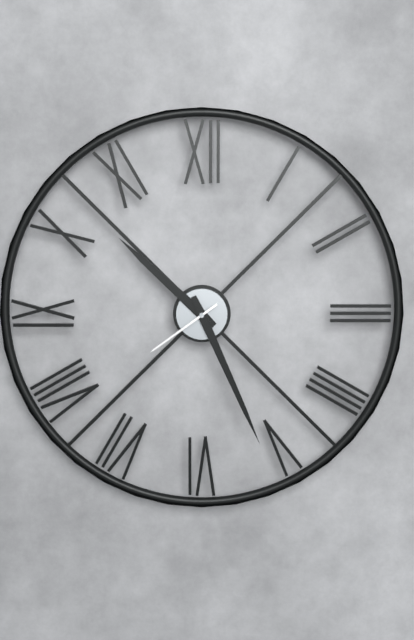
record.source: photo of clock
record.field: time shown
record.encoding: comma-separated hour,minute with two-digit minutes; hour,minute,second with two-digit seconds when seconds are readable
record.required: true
10,26,39
